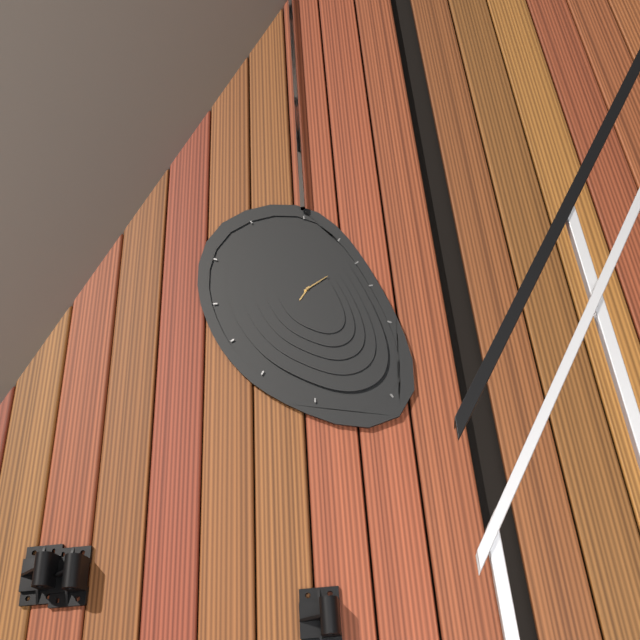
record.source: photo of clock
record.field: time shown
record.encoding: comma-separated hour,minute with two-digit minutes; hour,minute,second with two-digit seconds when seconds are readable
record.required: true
7,10
